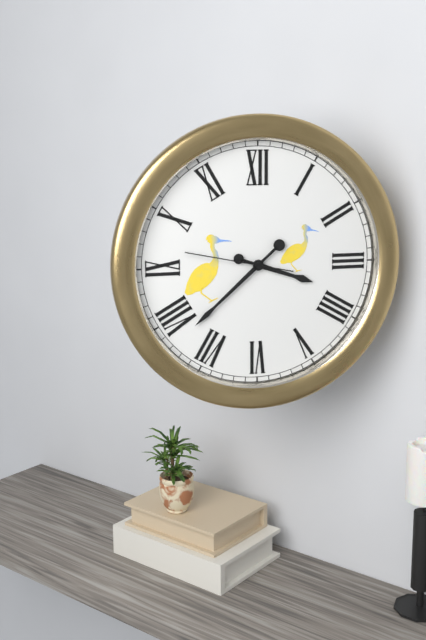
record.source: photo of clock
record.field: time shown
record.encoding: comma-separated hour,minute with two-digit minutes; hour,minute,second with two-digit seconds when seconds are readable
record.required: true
3,38,47
